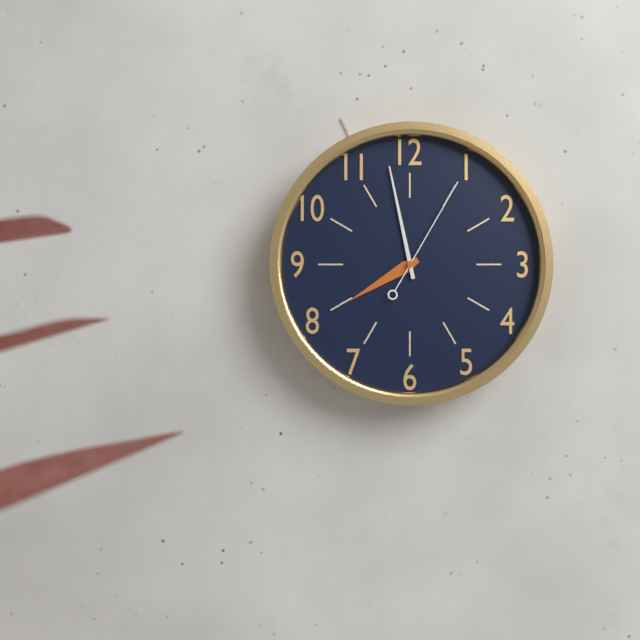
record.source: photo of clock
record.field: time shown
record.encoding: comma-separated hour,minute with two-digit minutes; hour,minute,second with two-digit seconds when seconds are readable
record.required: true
7,58,05
